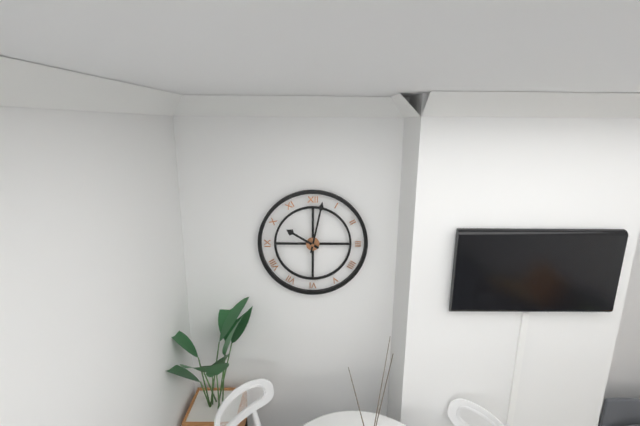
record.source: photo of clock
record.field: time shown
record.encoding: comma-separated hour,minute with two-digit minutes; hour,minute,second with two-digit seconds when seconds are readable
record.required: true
10,02
